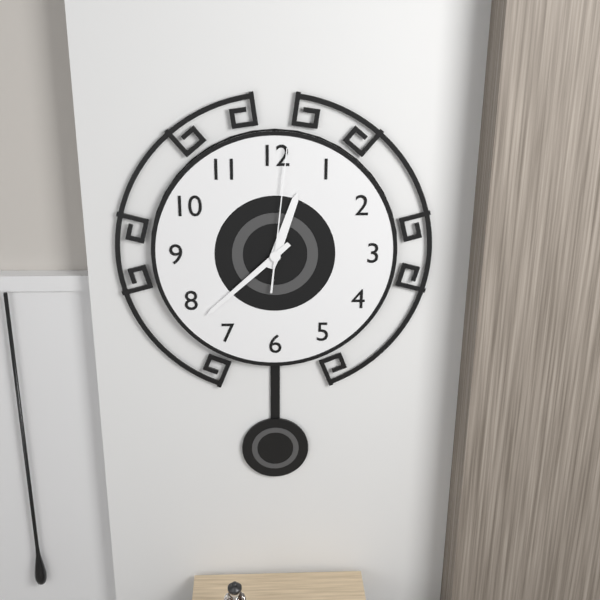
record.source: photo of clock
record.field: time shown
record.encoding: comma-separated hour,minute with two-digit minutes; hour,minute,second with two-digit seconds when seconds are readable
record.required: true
12,38,01
